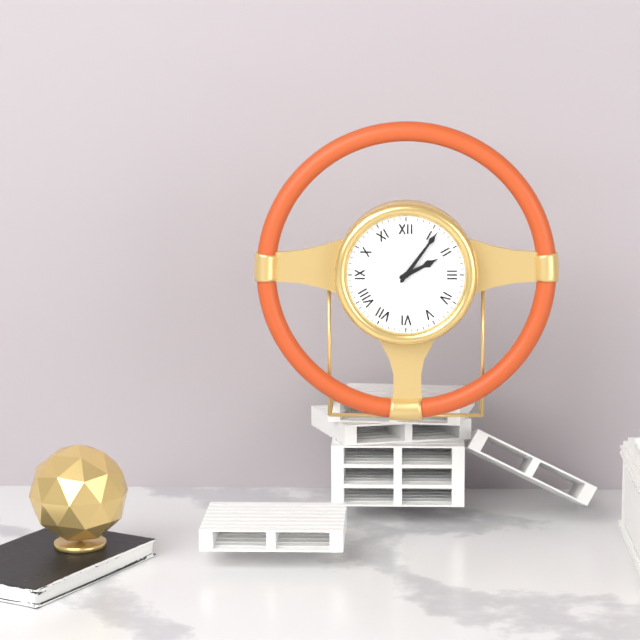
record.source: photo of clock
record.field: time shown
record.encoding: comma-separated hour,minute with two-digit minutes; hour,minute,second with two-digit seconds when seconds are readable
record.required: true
2,06
